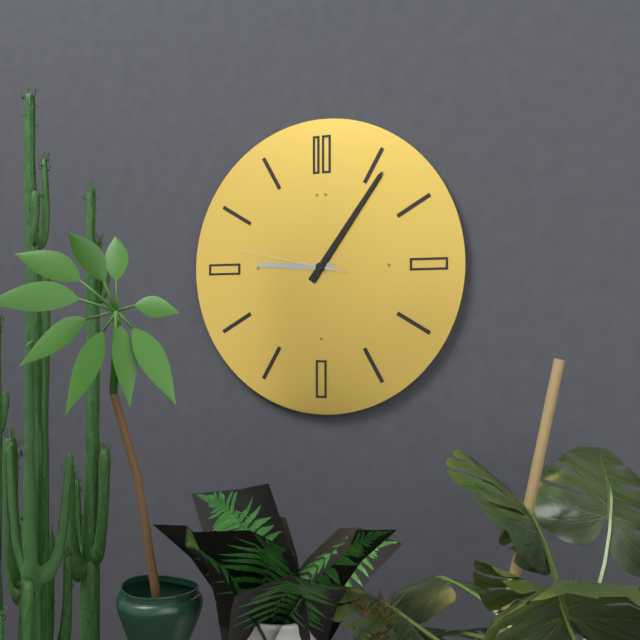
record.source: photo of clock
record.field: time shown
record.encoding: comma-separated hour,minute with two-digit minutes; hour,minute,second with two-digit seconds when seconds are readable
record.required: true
9,06,47
